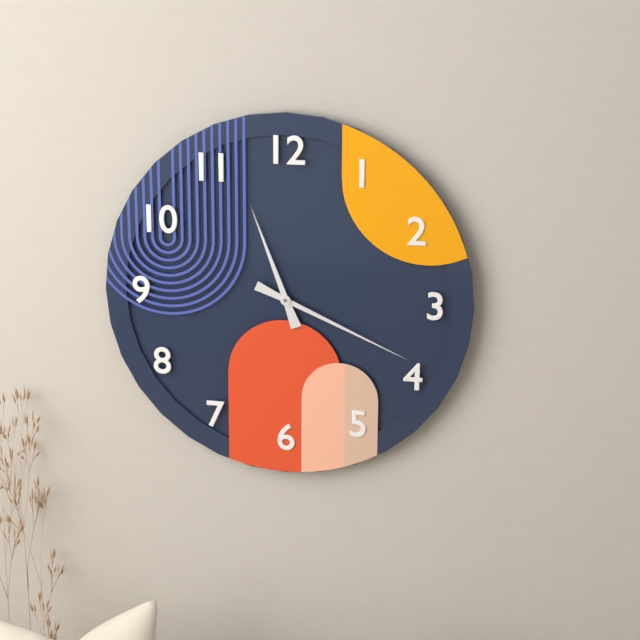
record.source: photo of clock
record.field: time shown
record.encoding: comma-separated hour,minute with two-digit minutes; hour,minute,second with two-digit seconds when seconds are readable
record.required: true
11,19
